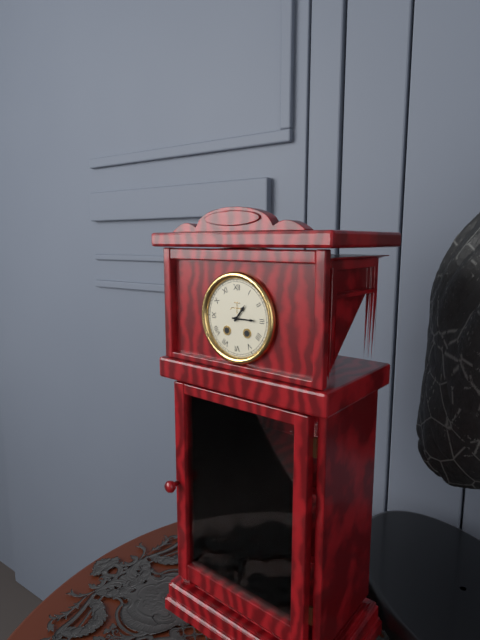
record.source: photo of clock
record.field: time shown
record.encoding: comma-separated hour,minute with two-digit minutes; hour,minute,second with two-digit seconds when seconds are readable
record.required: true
1,15
